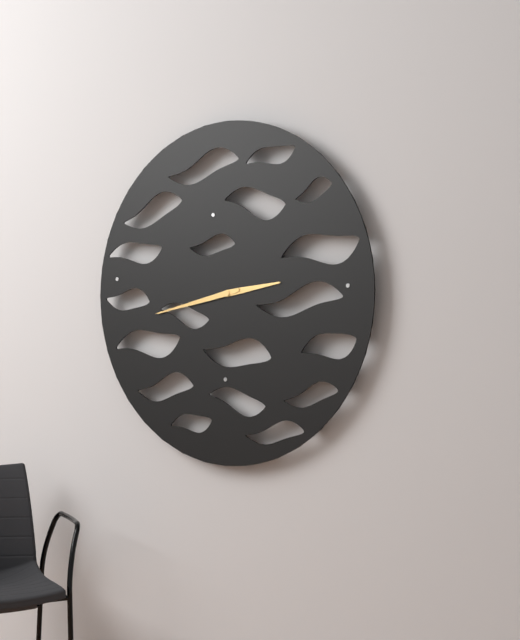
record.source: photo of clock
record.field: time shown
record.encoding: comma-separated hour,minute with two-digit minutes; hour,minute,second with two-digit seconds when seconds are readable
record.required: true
2,43
